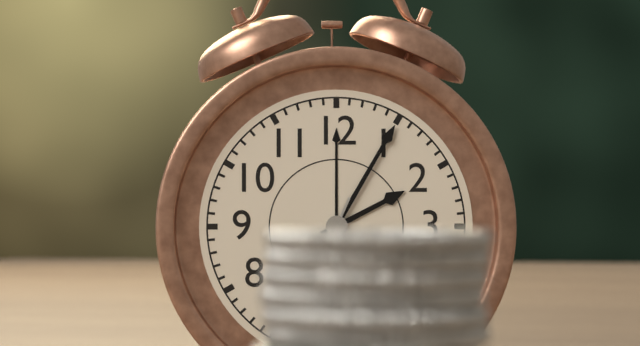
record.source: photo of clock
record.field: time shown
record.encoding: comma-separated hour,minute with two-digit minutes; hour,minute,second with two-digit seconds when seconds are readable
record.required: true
2,05
